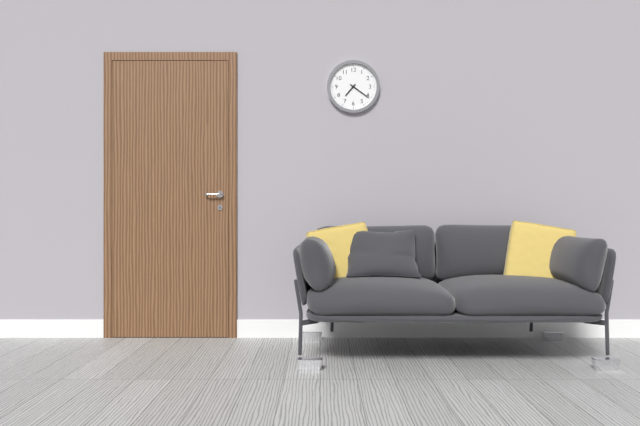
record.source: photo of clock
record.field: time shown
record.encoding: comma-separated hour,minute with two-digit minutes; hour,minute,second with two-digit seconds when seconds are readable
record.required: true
7,21
